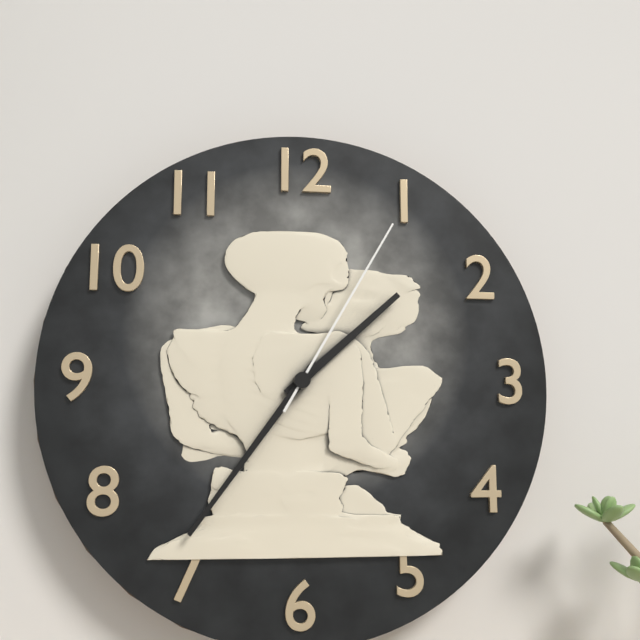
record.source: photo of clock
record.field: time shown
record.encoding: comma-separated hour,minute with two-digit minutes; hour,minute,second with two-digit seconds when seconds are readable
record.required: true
1,36,05
